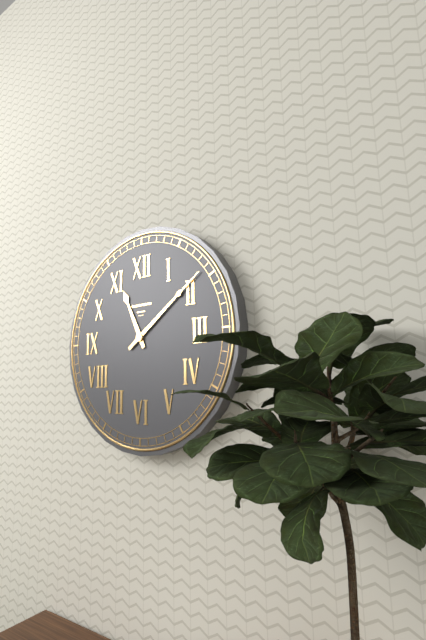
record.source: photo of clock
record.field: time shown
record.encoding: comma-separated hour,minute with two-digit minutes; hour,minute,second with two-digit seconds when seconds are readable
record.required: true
11,09
